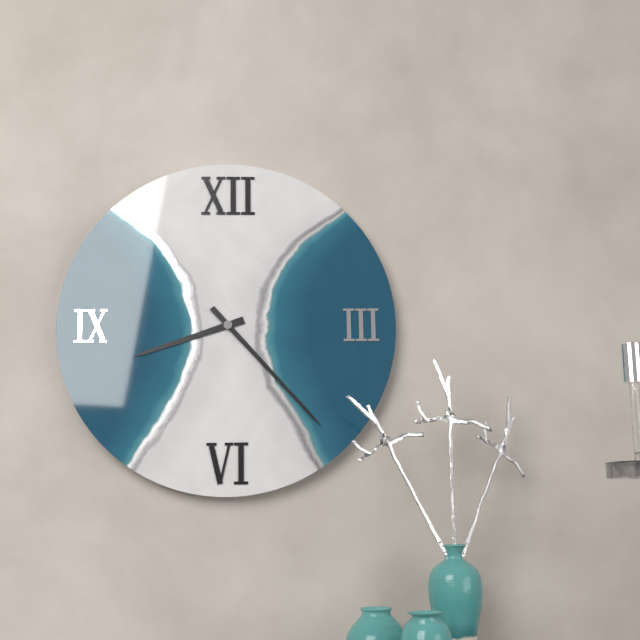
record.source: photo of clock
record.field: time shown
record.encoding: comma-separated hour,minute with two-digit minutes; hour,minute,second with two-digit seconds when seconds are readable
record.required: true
8,23
